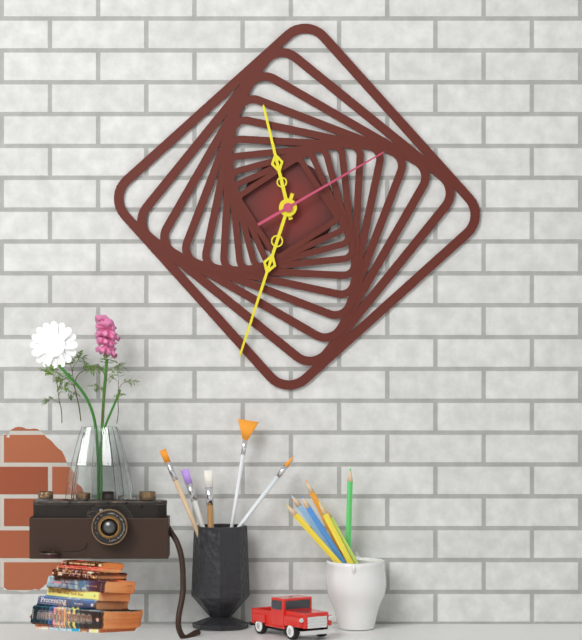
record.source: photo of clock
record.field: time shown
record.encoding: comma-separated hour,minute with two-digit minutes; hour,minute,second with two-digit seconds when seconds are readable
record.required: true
11,33,10
